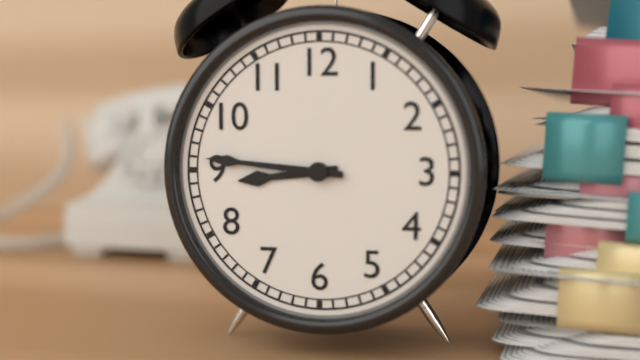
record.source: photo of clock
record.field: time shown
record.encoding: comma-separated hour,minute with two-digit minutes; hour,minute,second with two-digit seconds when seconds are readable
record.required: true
8,46
